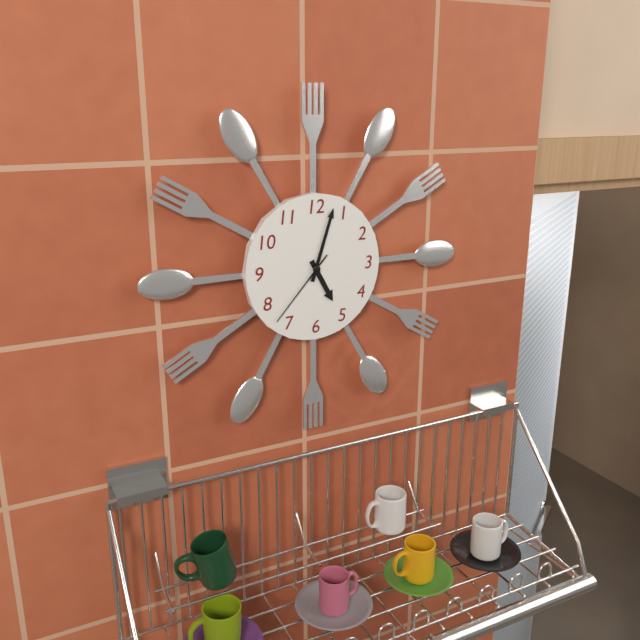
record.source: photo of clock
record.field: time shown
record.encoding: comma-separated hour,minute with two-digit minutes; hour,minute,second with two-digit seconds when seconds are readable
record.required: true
5,03,37
